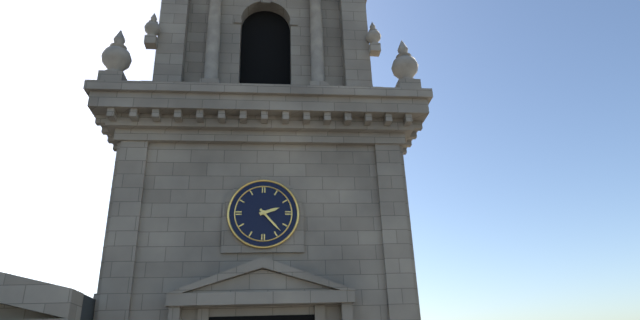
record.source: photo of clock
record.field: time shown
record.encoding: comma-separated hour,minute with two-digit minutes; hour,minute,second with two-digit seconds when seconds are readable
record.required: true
2,23
